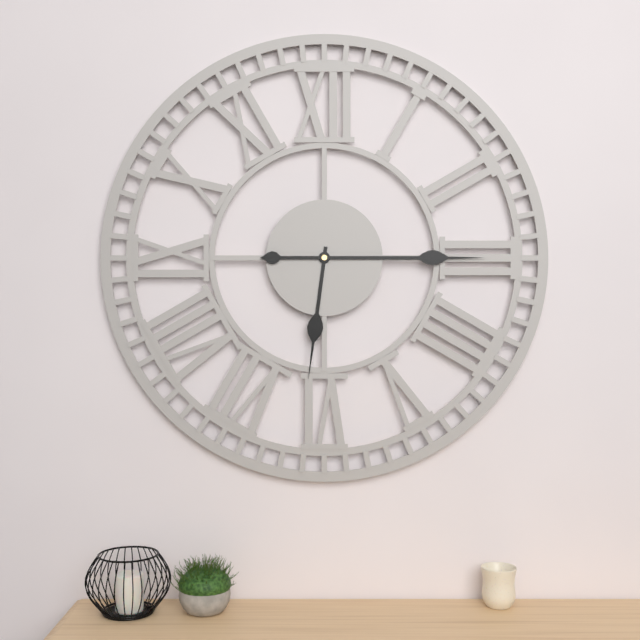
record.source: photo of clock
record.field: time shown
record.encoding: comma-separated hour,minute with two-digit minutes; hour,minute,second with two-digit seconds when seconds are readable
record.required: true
6,15
